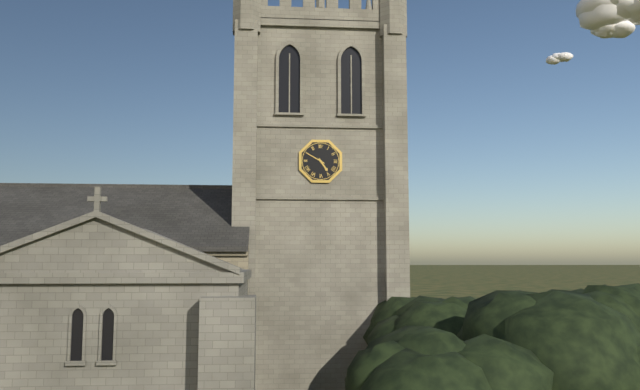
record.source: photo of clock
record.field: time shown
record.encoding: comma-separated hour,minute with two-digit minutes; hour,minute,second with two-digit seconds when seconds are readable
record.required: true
4,50
